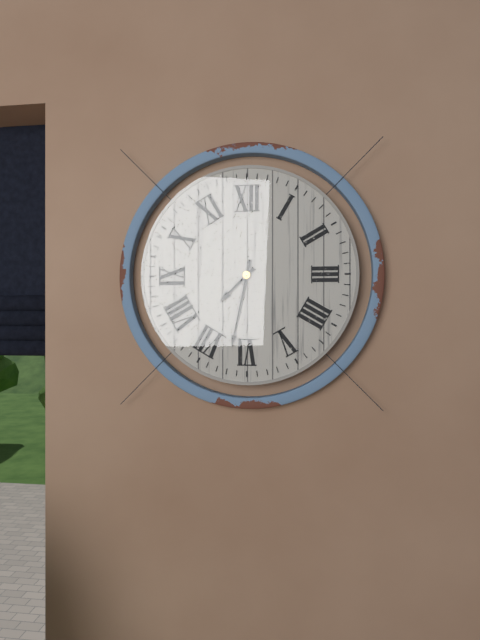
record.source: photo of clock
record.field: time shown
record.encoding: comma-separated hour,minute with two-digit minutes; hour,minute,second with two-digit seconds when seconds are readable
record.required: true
7,32
